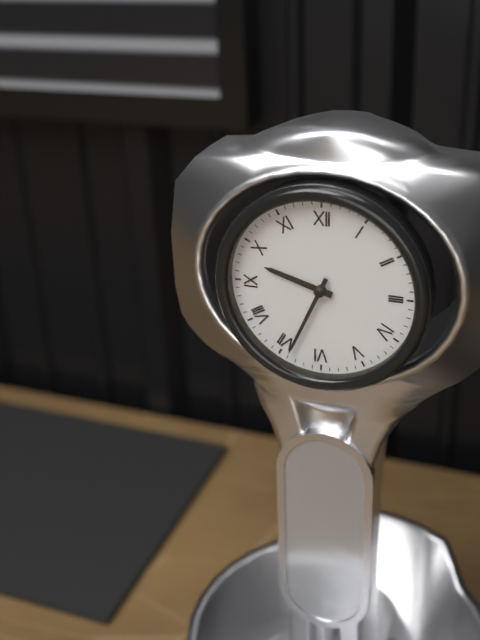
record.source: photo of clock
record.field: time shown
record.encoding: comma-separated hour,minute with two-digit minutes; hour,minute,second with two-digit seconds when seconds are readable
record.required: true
9,34
